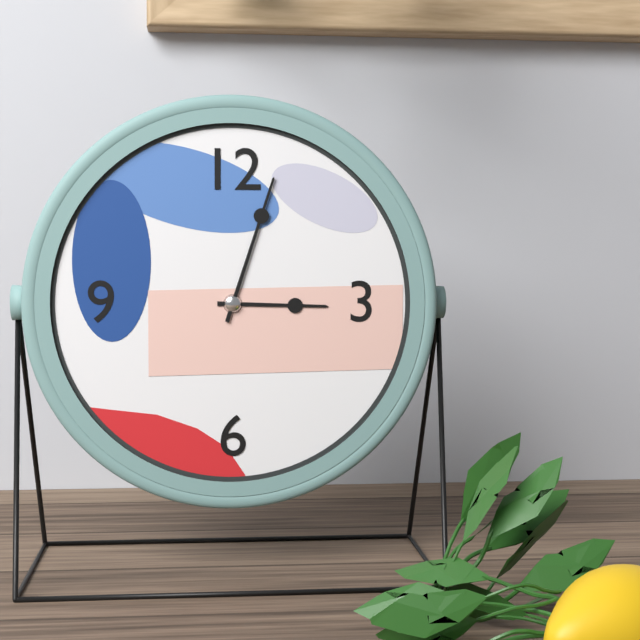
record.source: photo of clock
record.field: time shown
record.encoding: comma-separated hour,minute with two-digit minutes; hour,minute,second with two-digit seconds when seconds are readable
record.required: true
3,03
